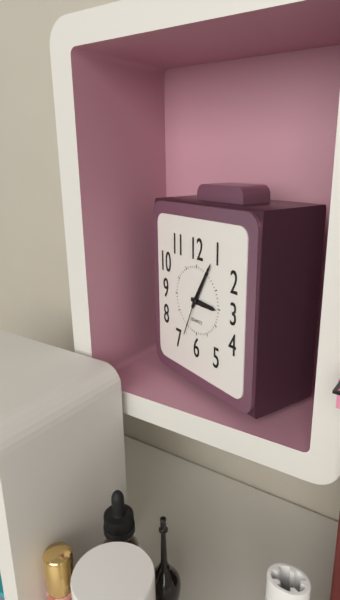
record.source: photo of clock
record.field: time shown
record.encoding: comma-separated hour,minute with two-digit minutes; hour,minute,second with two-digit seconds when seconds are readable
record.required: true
3,05
